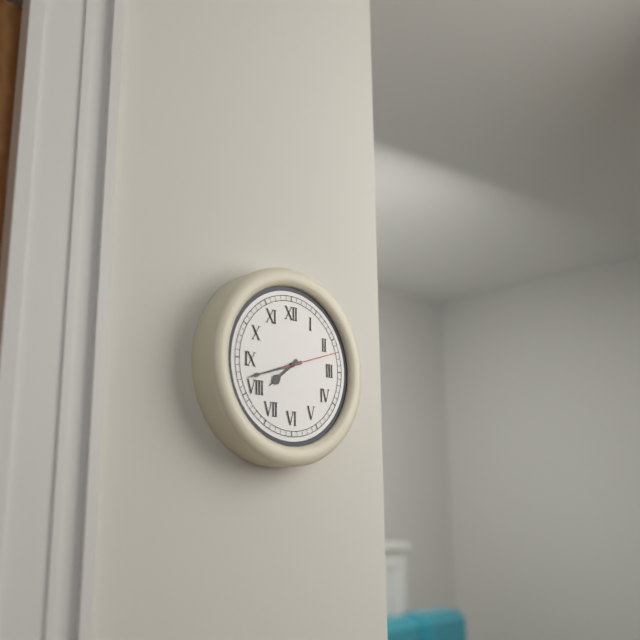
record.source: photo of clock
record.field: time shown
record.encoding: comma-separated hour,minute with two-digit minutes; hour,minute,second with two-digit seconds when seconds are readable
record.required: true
7,42,12
